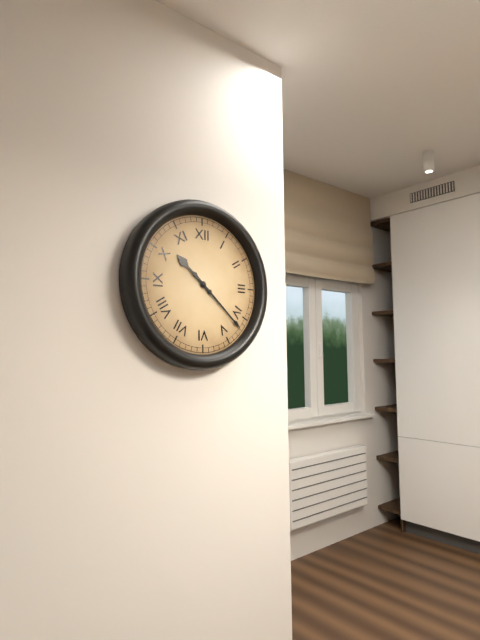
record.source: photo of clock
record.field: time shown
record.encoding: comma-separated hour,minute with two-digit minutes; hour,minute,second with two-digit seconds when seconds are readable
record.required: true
10,22
